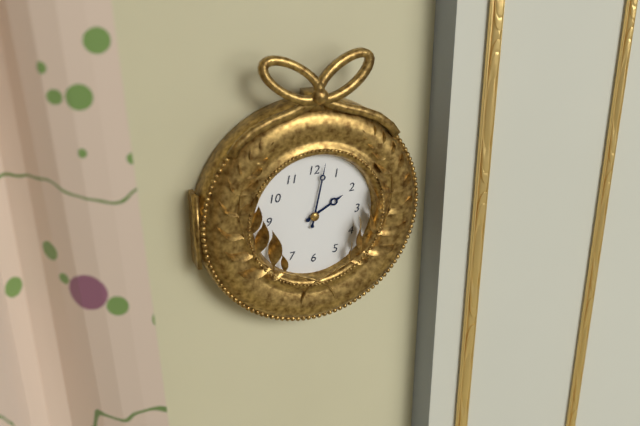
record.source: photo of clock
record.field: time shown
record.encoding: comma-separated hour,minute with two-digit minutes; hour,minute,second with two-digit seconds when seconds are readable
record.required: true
2,02
